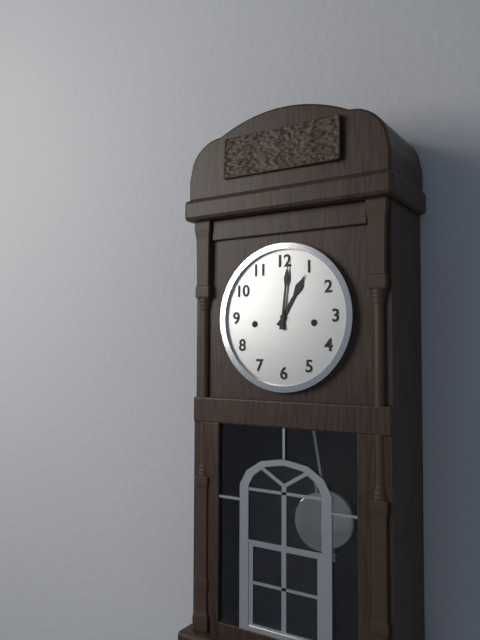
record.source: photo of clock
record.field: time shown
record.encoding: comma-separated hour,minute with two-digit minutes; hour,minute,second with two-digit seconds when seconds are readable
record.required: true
1,01
